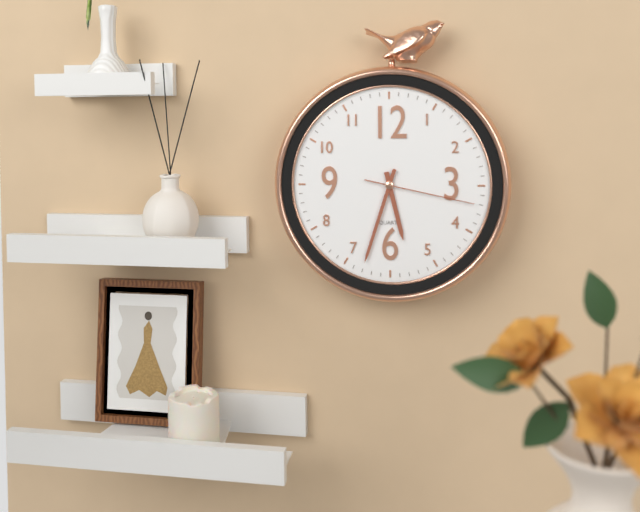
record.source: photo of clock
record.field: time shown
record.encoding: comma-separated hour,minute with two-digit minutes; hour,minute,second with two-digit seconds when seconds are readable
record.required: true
5,33,17
